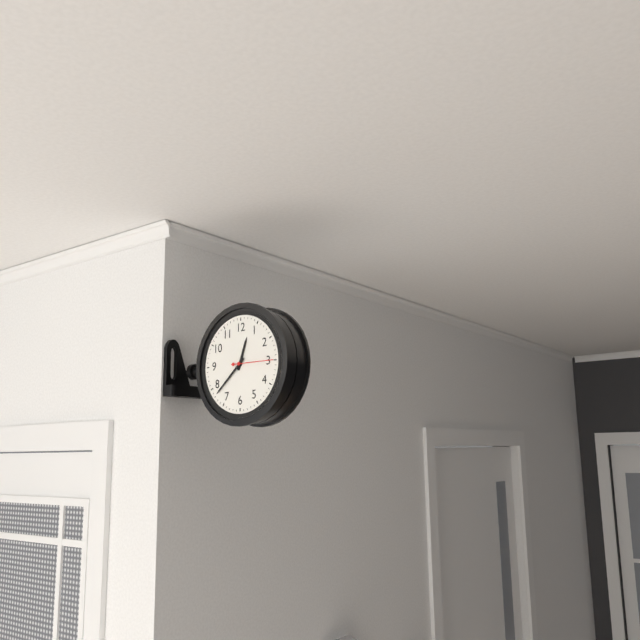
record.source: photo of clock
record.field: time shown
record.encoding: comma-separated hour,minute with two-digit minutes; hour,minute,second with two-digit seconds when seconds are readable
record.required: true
12,38
